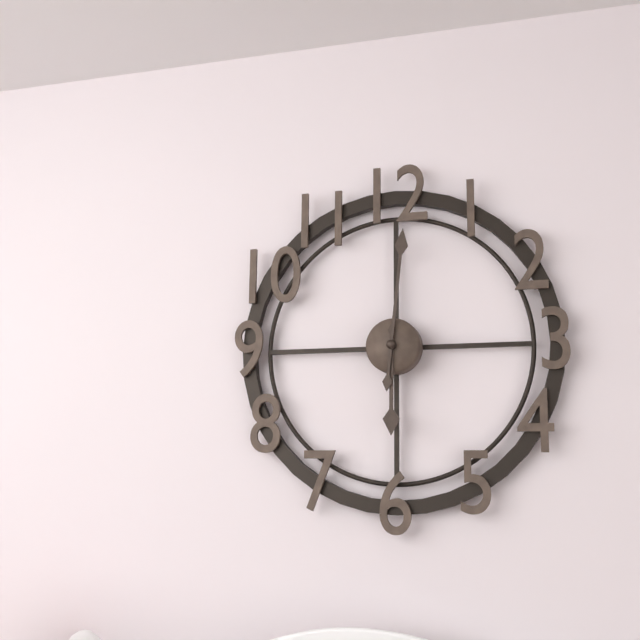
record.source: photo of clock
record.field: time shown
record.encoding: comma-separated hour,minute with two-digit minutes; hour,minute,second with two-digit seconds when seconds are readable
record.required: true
6,01
